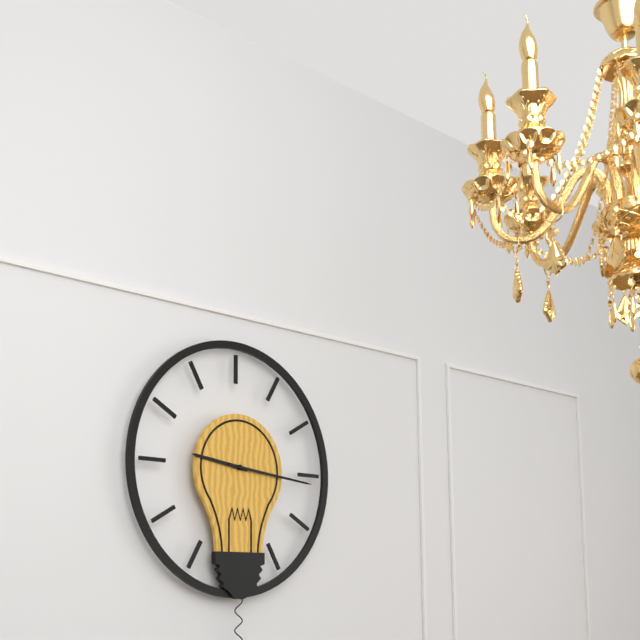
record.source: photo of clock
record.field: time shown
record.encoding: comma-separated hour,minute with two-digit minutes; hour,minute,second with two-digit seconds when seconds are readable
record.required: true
9,16
